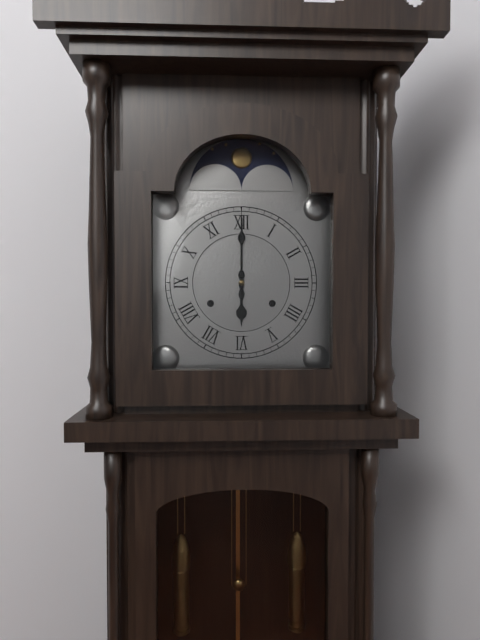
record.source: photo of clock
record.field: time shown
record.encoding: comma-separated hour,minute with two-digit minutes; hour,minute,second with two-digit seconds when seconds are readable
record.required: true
6,00
